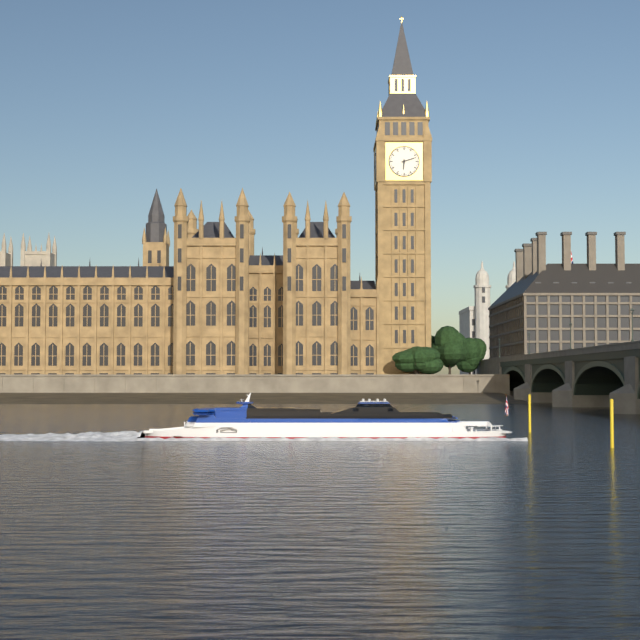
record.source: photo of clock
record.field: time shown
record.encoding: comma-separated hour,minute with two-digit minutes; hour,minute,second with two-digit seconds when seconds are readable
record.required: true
6,12
